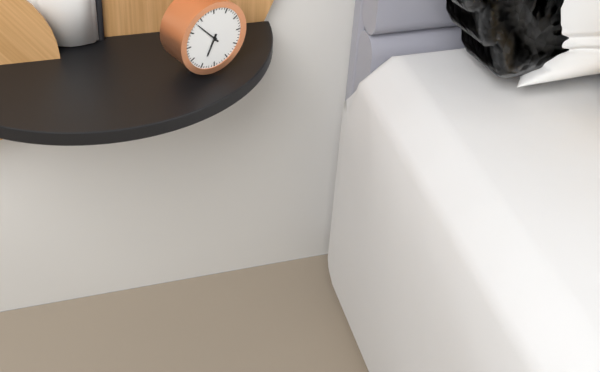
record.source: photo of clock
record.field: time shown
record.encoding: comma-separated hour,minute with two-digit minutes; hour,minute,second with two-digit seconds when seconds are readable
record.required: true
6,53
